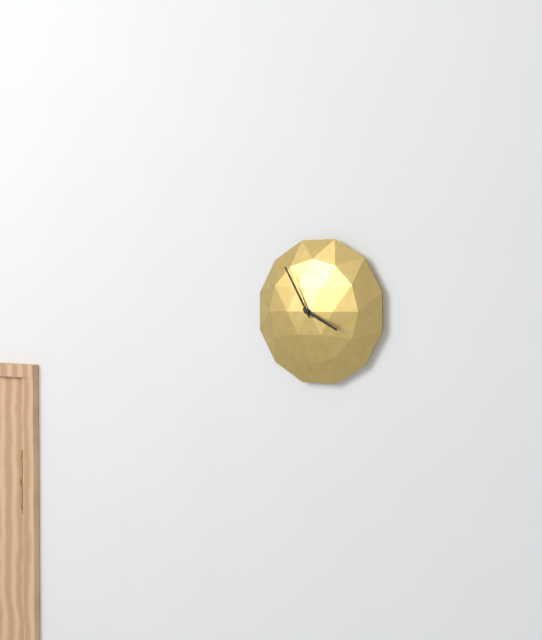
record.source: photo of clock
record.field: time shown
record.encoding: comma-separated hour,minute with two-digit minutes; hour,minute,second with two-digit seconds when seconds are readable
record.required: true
3,55
